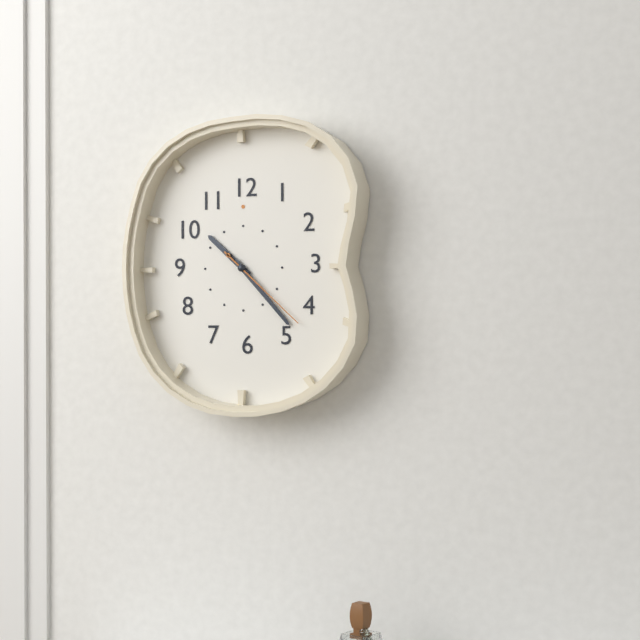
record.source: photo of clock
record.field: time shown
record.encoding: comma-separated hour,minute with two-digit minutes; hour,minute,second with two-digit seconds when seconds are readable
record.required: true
10,23,22
